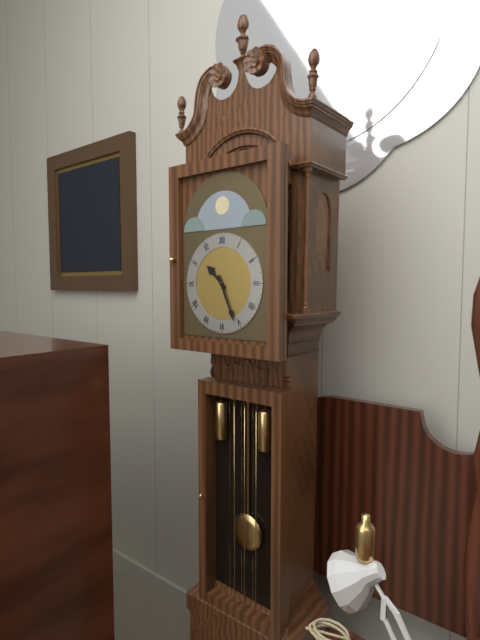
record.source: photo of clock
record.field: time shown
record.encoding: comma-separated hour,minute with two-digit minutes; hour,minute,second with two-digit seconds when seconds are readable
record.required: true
10,26
